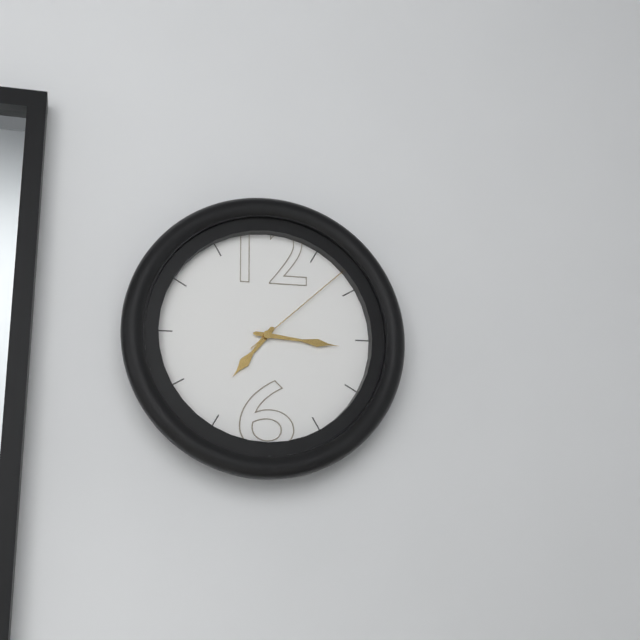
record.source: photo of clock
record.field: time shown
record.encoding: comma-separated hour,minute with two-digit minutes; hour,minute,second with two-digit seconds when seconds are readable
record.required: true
7,16,08
